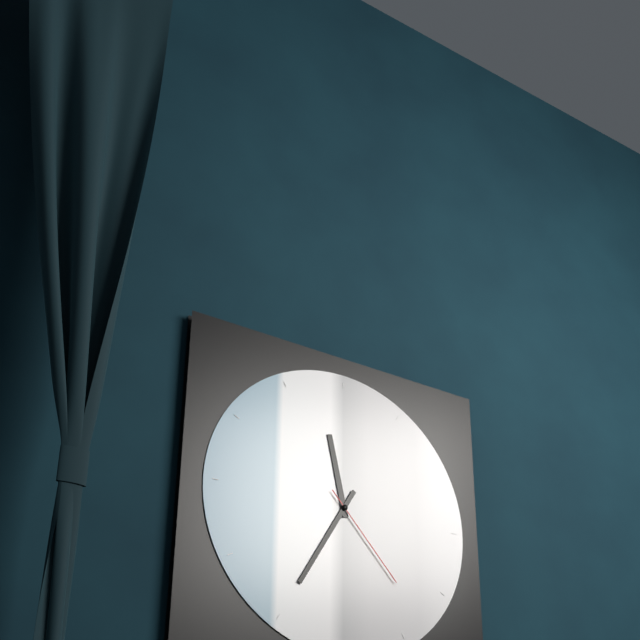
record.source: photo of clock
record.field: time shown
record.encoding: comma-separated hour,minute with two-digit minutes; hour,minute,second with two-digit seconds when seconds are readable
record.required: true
11,35,23
